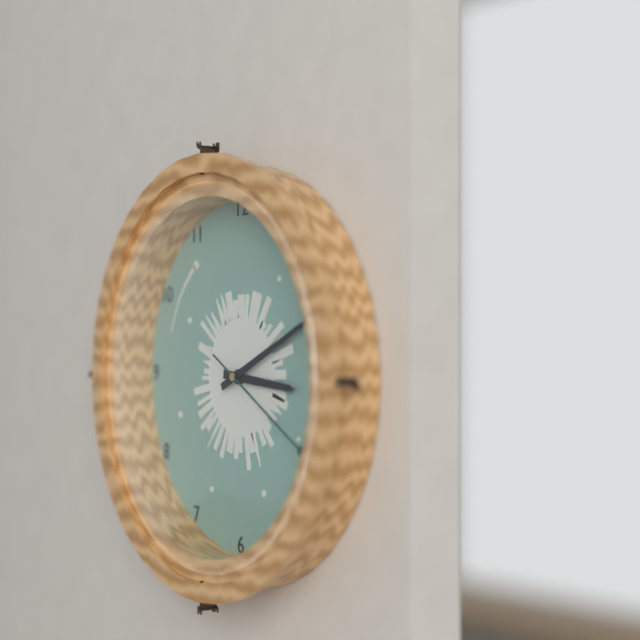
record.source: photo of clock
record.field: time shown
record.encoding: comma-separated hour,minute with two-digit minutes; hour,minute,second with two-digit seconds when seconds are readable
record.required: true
3,11,20
